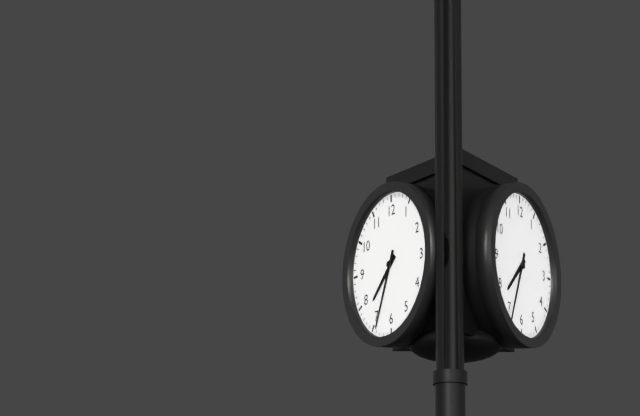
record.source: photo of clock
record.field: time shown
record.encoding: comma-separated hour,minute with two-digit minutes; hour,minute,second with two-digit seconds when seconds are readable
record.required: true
7,34
